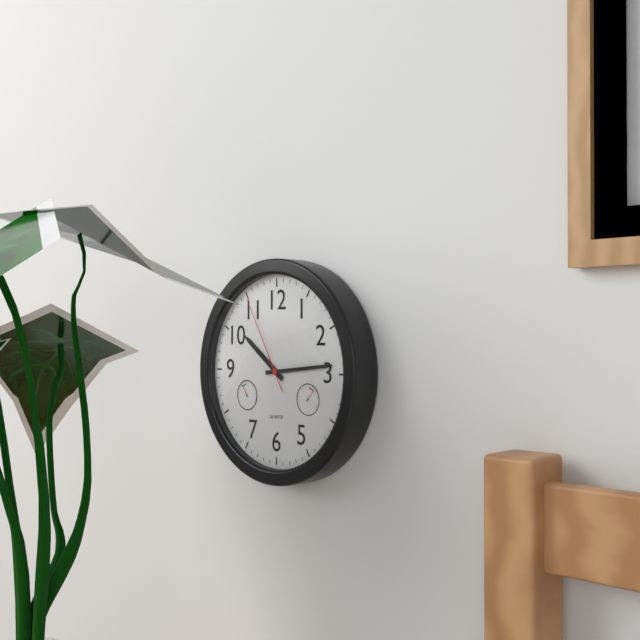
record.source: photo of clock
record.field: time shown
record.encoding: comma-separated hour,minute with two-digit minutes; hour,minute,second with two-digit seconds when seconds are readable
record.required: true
10,14,55
